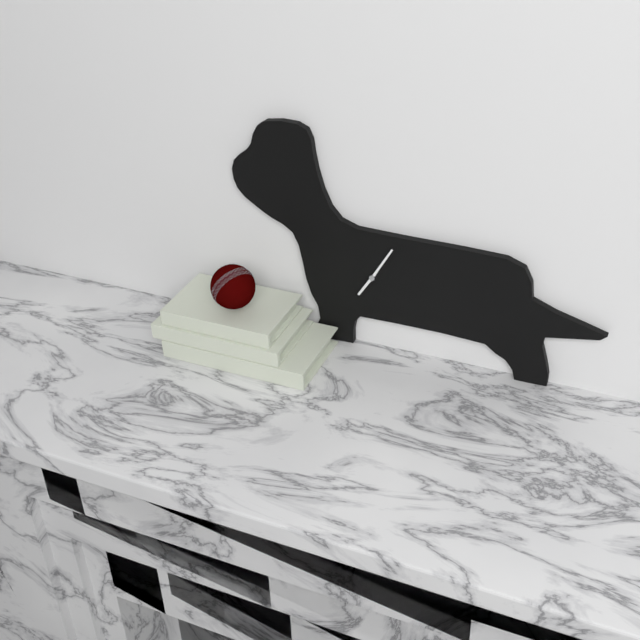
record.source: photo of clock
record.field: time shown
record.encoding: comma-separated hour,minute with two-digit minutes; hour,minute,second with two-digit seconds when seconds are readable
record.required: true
7,05
